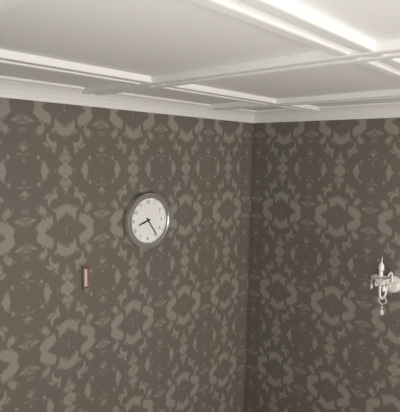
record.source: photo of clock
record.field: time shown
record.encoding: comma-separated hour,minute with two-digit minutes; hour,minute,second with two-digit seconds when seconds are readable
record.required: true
8,24
